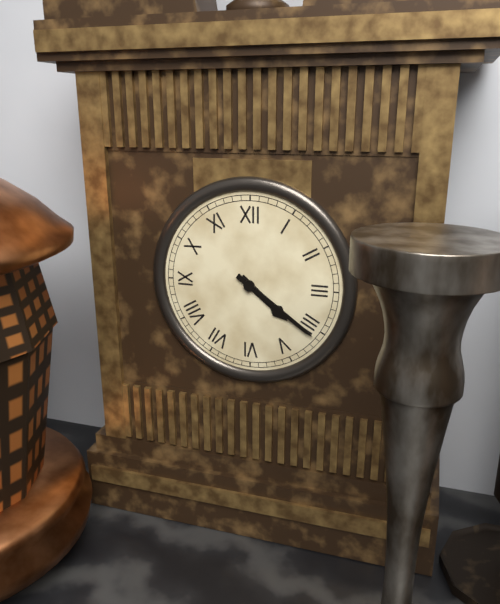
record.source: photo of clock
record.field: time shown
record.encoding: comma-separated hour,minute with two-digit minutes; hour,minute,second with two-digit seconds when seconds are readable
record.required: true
4,21
